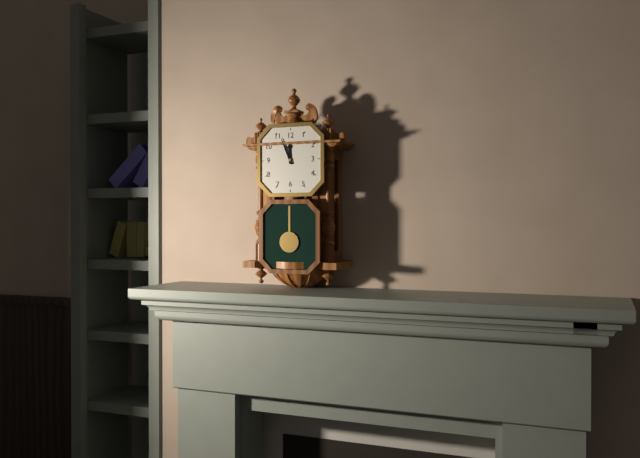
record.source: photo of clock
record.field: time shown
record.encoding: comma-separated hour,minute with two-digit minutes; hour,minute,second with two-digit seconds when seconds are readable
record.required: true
11,56
